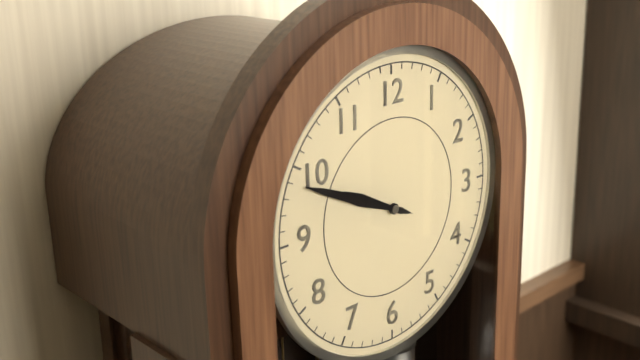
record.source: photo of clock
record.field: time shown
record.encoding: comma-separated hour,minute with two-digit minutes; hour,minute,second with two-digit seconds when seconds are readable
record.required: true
9,49
